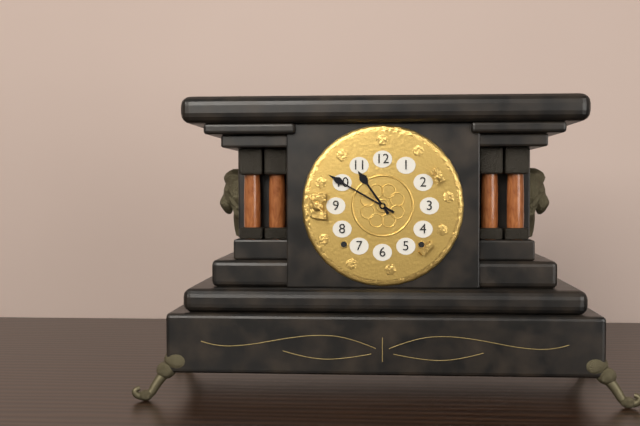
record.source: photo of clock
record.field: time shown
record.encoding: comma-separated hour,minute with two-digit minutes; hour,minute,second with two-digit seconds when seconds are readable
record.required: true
10,50
